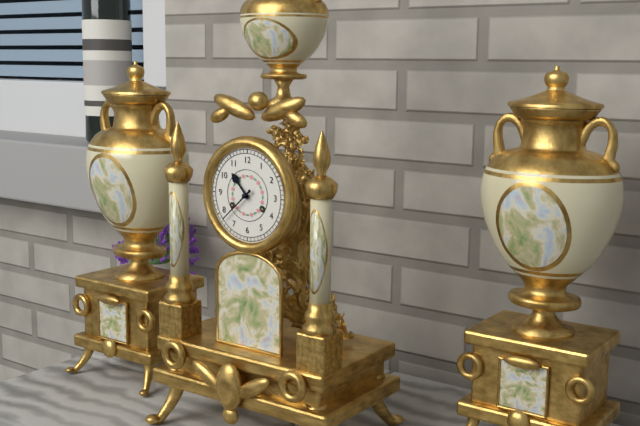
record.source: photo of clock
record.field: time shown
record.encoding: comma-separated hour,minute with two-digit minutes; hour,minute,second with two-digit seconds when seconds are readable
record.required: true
10,38
